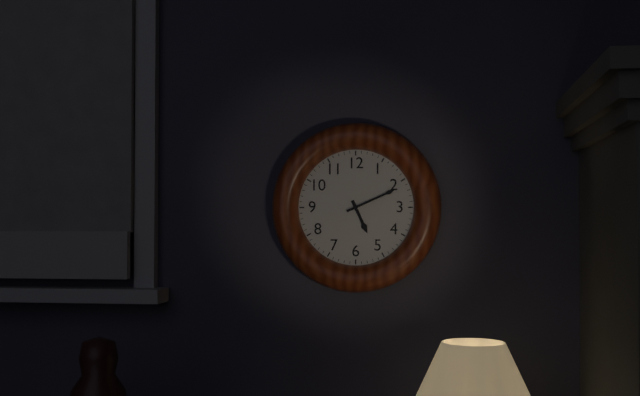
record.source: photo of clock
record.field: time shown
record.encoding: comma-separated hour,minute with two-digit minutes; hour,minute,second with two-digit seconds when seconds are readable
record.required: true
5,11
